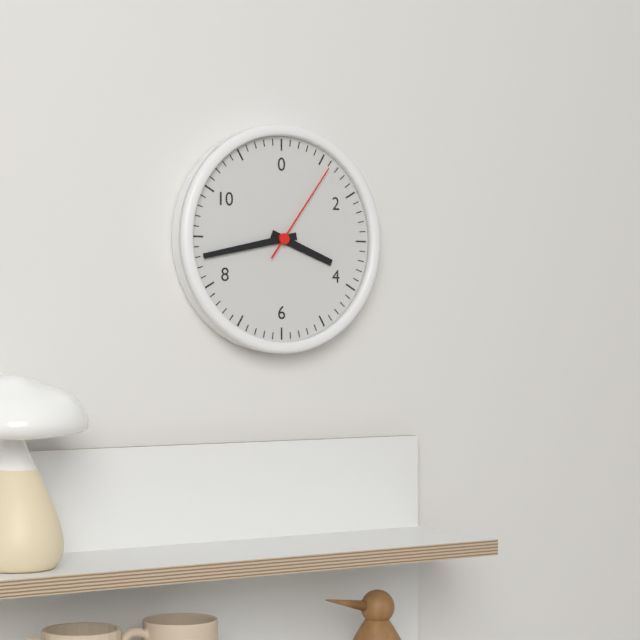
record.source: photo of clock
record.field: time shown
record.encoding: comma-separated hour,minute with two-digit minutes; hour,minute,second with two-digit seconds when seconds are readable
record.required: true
3,43,06
